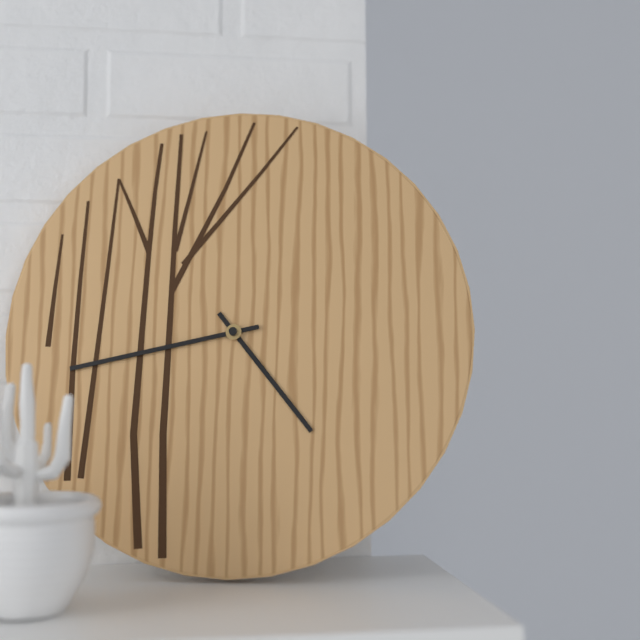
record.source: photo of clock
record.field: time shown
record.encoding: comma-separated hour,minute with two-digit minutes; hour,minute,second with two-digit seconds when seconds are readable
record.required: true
4,43
